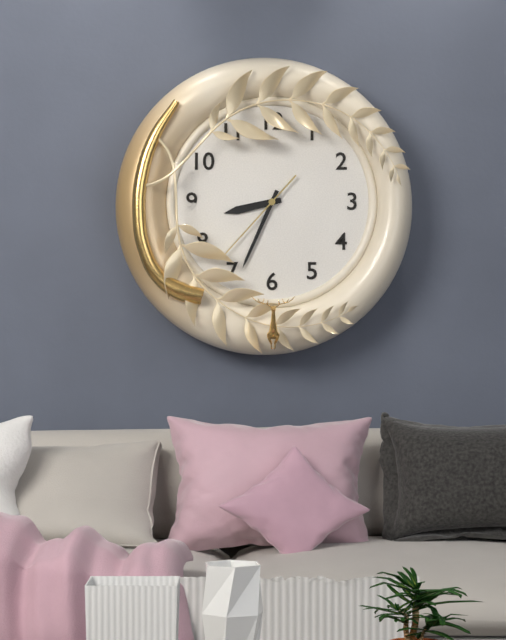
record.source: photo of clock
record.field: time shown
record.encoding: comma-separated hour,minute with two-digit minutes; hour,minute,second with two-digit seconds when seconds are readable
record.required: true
8,34,37
